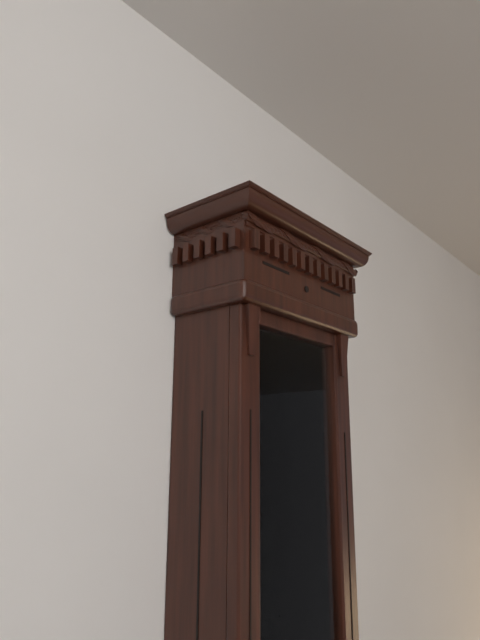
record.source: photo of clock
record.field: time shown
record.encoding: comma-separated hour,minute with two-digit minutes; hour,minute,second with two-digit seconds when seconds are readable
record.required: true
5,17
